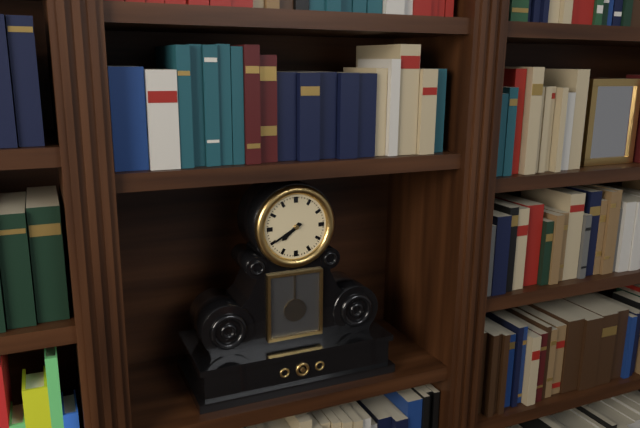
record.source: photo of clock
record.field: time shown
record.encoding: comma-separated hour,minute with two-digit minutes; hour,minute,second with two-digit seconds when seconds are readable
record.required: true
7,40
